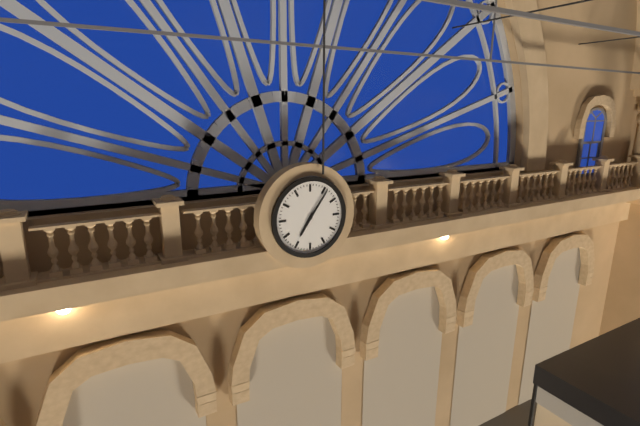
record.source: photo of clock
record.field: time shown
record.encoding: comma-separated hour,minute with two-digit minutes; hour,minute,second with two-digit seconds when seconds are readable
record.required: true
7,06
